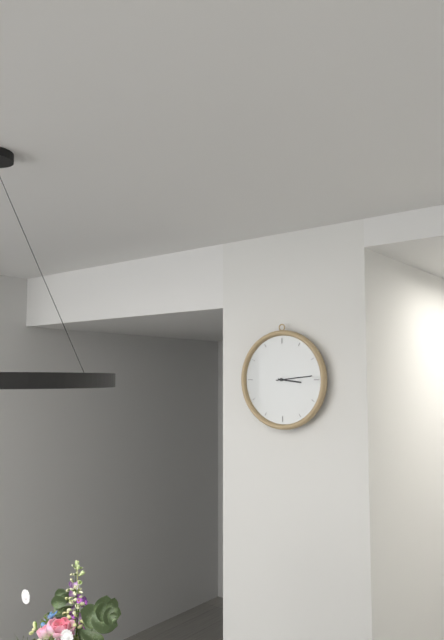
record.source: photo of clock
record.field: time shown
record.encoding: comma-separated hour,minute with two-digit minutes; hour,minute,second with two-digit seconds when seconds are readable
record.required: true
3,14
